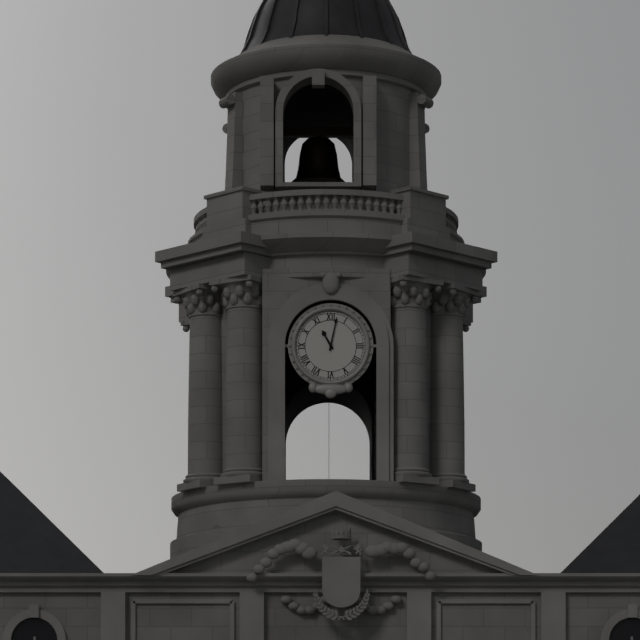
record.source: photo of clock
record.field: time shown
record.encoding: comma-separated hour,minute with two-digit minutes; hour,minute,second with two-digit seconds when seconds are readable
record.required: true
11,02
